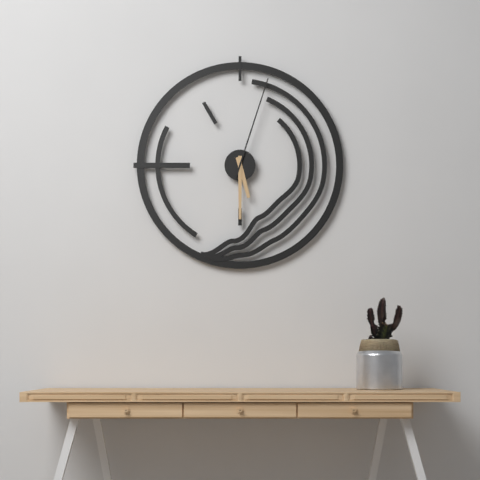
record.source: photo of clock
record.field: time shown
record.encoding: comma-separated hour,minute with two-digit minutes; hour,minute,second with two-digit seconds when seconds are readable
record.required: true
5,30,03
